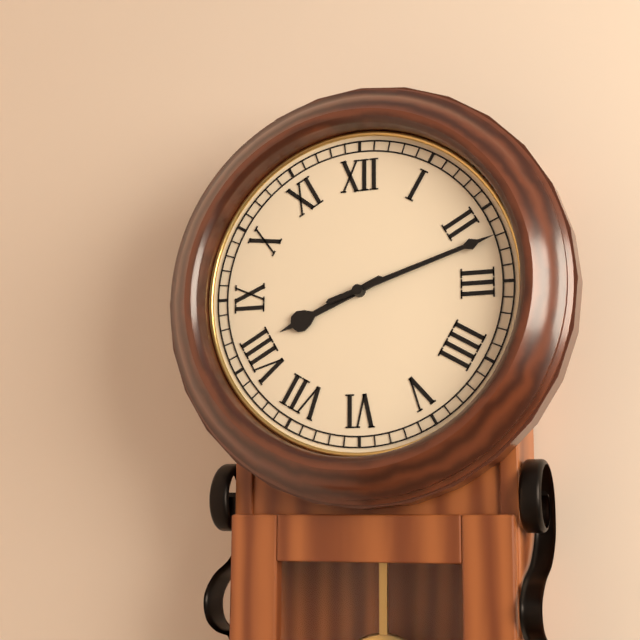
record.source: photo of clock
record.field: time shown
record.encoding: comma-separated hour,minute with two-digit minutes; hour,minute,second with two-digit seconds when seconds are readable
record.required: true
8,12
